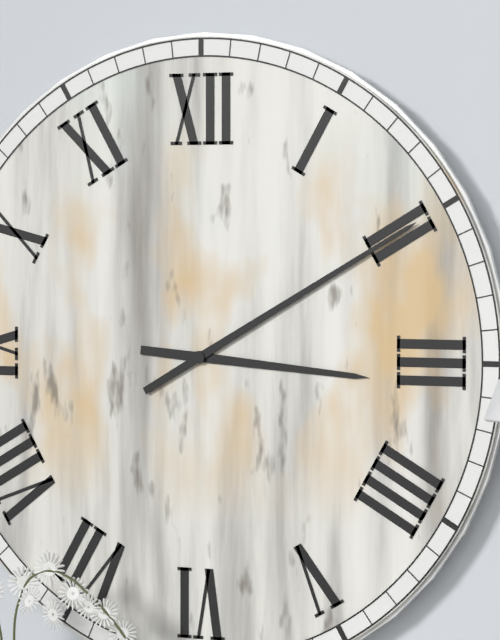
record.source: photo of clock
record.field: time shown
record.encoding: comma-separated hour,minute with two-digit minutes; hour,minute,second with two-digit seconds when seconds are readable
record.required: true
3,10
